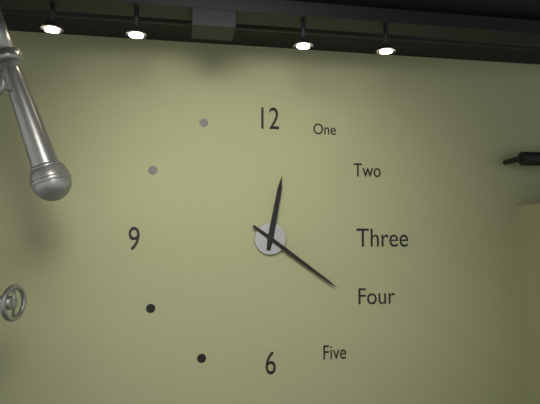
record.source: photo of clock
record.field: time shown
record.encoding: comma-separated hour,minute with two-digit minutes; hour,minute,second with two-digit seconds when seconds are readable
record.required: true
12,21
